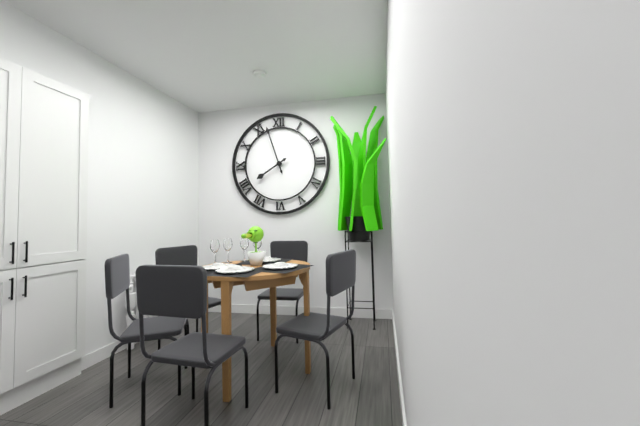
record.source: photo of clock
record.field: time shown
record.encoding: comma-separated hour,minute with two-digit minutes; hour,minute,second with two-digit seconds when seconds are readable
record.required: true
7,57
